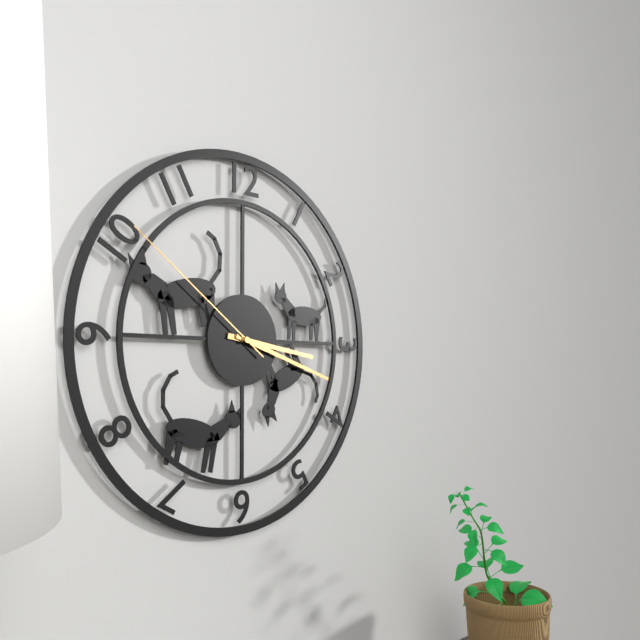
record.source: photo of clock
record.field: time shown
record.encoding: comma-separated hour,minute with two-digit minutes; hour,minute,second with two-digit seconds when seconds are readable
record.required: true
3,18,51
